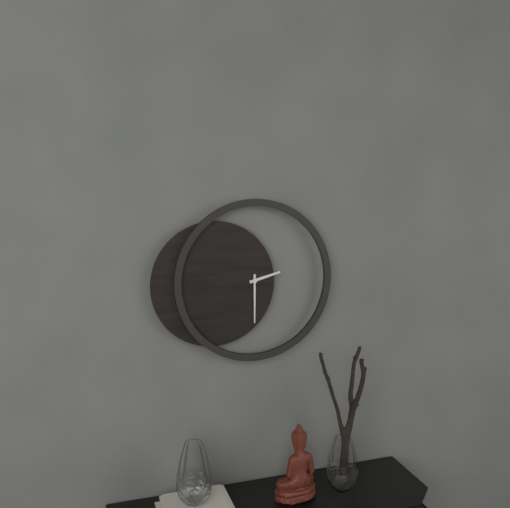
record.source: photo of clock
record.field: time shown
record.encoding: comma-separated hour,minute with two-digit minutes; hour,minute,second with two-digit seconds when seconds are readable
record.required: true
2,30
